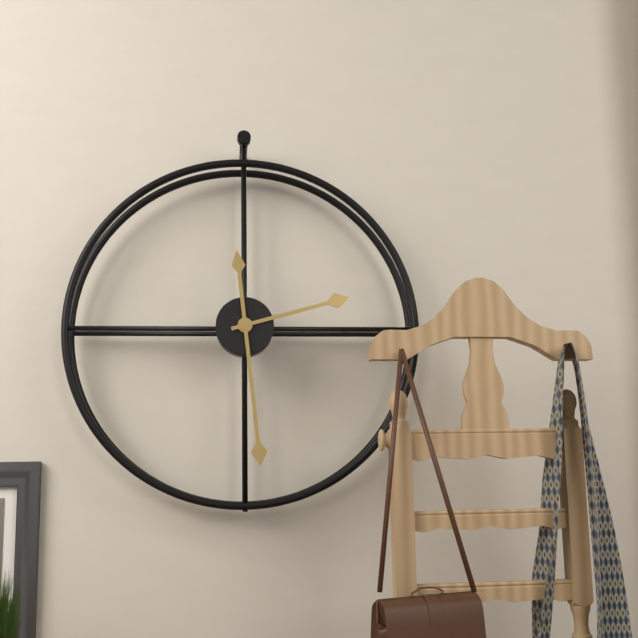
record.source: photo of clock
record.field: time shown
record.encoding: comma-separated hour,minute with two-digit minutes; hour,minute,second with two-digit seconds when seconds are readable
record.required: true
2,29
